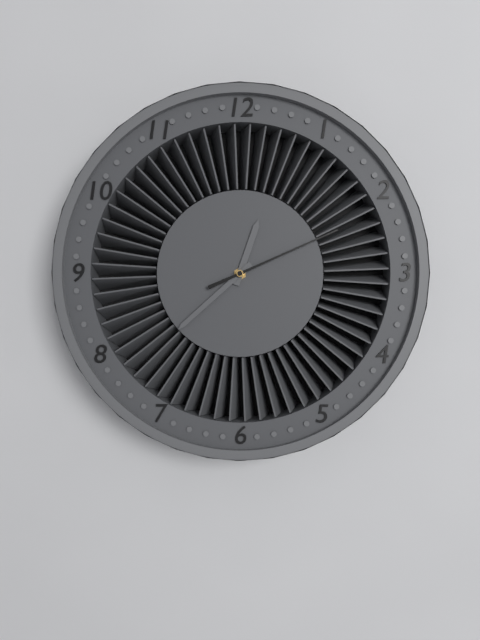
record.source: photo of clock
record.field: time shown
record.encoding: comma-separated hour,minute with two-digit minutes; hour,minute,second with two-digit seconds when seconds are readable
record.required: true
12,38,11
